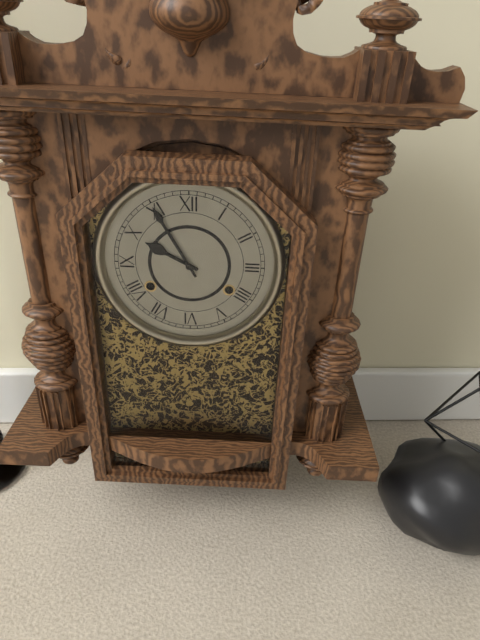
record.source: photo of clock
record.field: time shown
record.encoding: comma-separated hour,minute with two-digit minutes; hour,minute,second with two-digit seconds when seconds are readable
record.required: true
9,55
